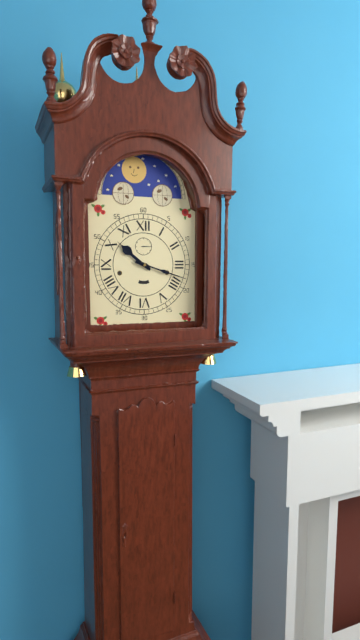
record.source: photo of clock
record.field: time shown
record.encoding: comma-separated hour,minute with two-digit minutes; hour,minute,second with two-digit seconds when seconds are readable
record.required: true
10,18
